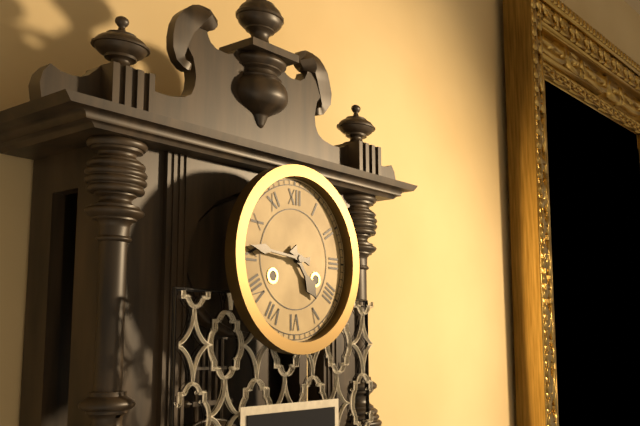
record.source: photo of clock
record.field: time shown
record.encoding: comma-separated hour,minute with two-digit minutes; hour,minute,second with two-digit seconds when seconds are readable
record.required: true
4,46
